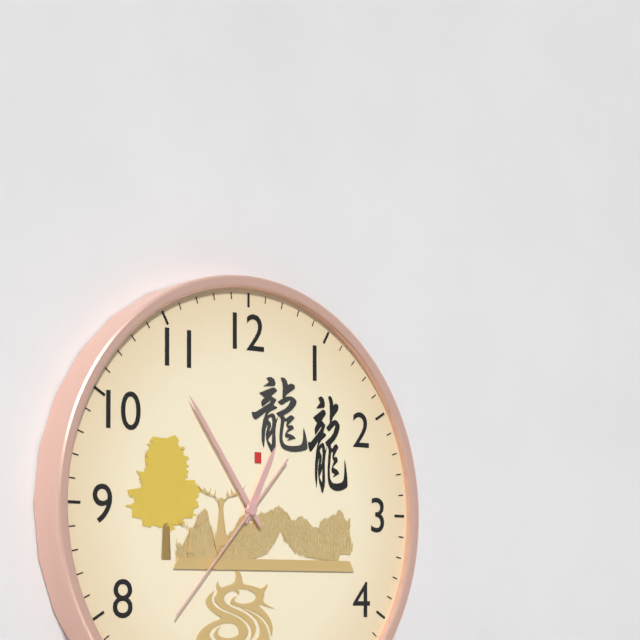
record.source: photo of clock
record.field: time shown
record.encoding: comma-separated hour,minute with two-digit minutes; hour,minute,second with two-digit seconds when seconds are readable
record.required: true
12,54,37
